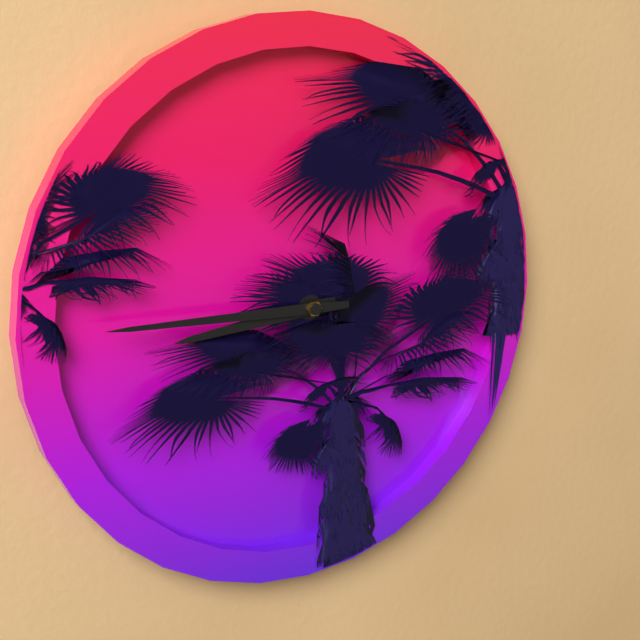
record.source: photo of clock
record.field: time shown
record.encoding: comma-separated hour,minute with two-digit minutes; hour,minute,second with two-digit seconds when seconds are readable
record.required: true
8,45
